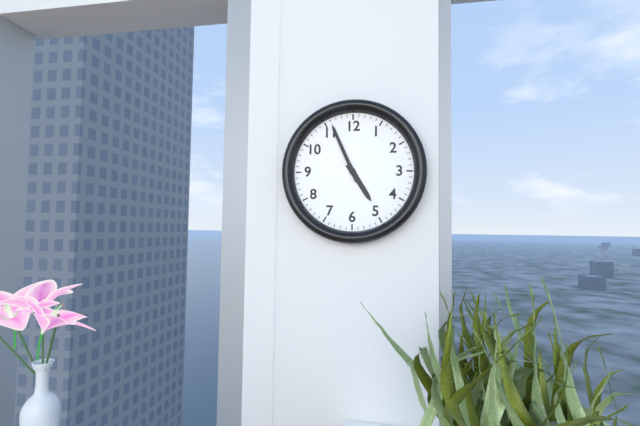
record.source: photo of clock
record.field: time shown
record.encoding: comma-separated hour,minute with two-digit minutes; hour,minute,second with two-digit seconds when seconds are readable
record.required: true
4,56
